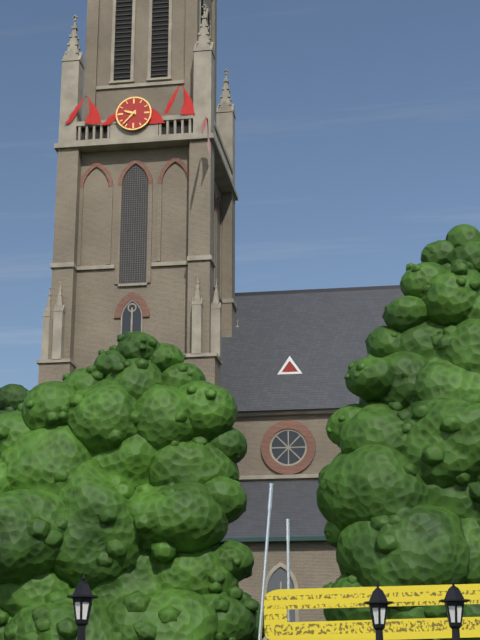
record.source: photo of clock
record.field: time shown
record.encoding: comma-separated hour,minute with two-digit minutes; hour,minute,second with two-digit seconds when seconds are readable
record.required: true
9,37
